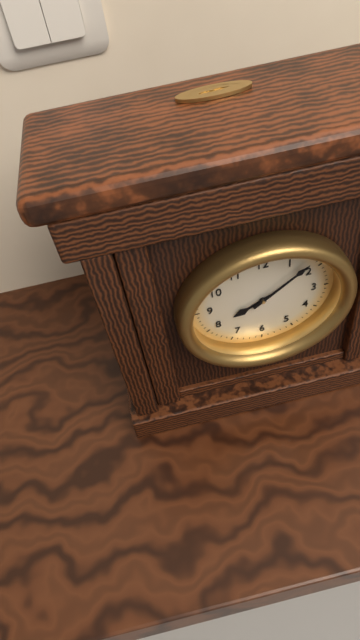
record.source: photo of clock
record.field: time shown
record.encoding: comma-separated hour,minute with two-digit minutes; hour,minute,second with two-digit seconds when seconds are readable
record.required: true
8,09
